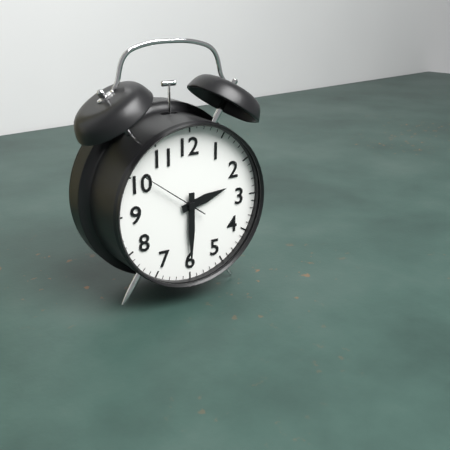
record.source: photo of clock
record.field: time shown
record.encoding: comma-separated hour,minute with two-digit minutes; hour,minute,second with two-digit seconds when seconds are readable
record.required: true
2,30,51
